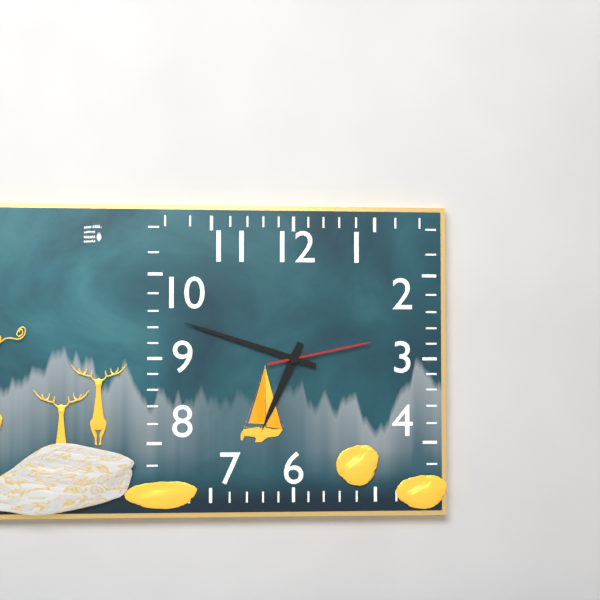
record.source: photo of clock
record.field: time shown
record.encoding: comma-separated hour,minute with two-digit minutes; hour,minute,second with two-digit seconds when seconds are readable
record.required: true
6,48,13
